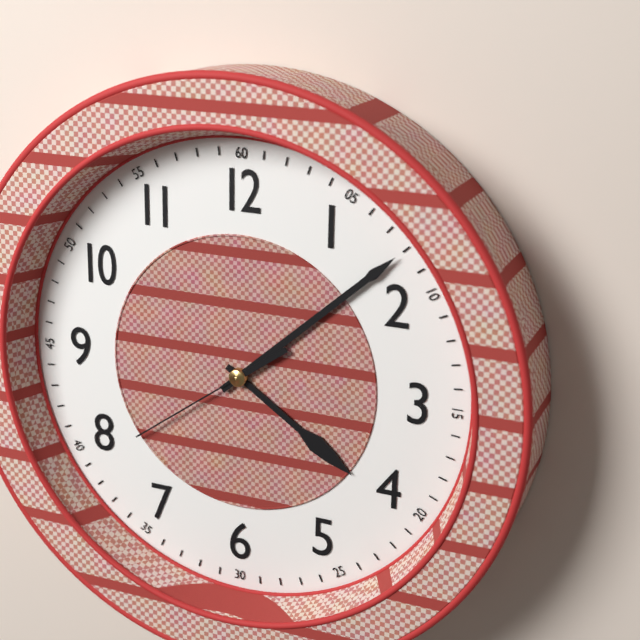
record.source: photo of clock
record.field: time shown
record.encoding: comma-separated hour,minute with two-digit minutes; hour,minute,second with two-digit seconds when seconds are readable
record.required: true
4,08,39
